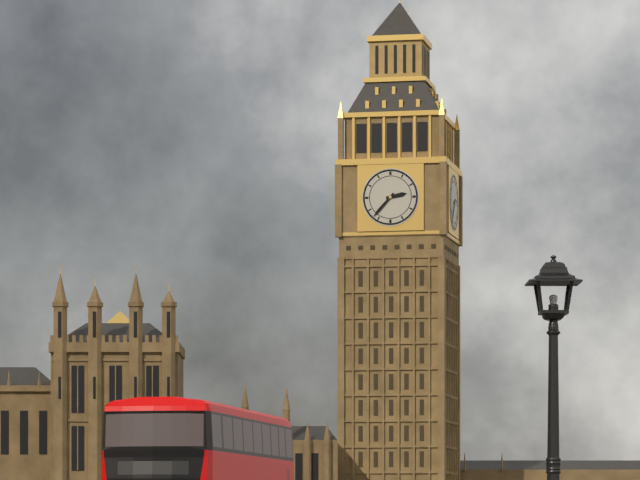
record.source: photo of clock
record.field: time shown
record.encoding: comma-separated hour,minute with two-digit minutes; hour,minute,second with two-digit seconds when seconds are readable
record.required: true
2,37
